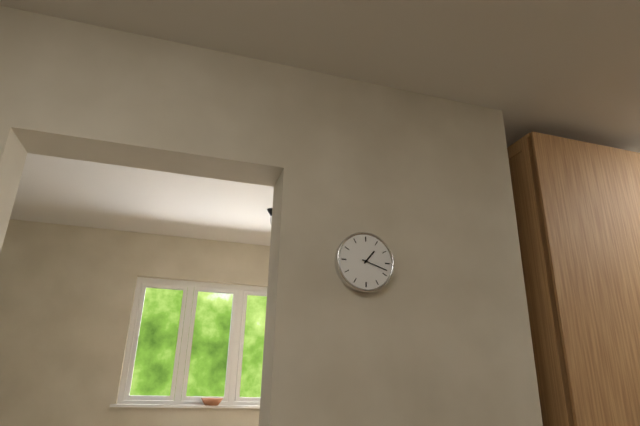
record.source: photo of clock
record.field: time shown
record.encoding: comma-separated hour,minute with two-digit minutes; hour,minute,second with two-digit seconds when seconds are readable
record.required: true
1,18
